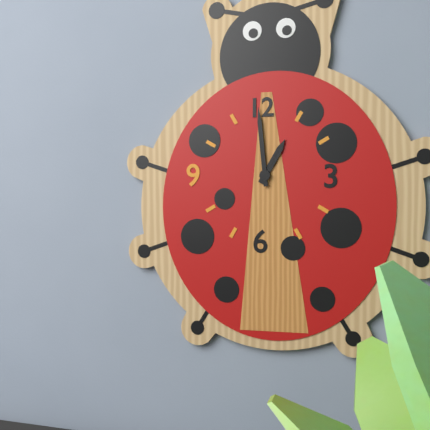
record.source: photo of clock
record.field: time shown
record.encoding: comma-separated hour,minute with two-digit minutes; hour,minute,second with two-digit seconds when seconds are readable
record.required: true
12,59
